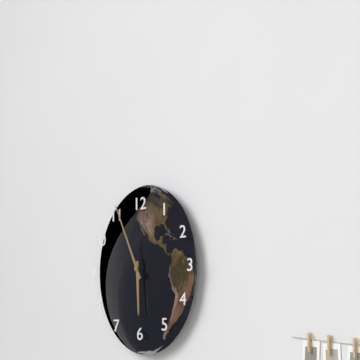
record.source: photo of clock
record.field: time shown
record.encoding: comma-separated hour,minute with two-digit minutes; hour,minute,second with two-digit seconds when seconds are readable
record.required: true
5,56
